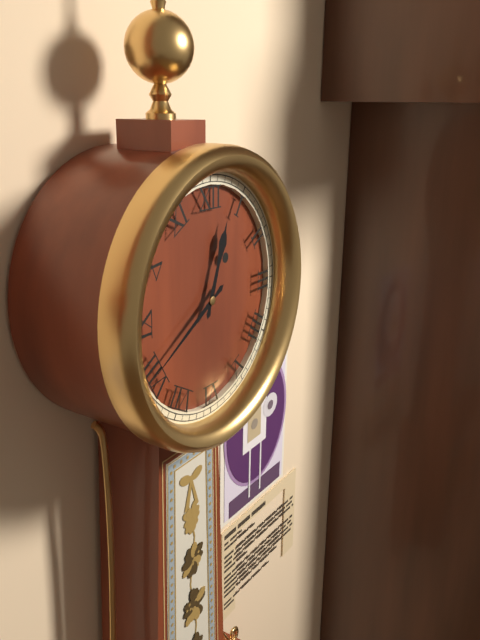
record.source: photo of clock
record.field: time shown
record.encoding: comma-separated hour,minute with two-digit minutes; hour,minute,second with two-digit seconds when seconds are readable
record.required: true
12,40
